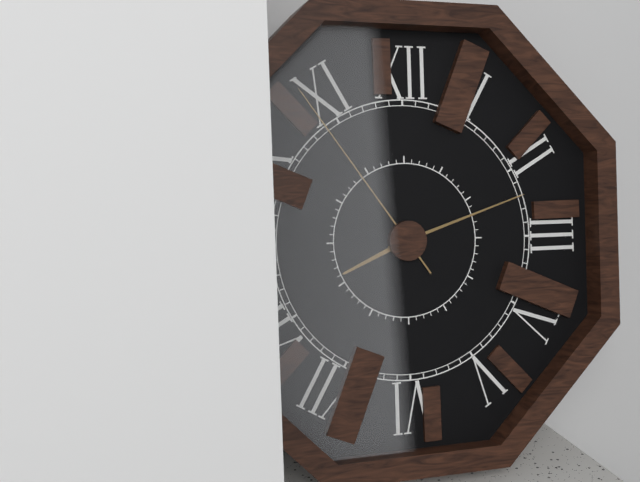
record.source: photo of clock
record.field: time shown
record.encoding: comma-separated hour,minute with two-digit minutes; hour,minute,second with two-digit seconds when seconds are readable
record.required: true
8,12,54
